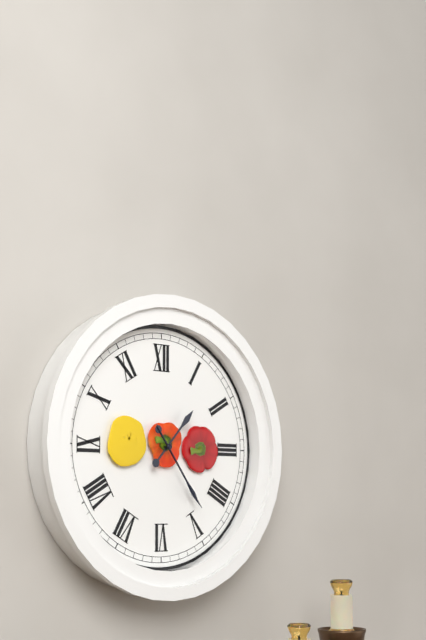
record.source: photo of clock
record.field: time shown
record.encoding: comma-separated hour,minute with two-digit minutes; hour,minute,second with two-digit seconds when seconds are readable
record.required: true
1,24,24
